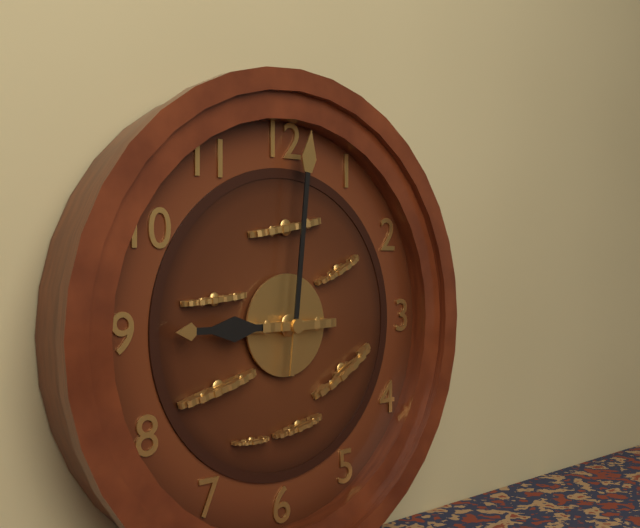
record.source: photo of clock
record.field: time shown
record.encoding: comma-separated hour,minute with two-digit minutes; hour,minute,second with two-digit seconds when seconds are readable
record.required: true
9,01
